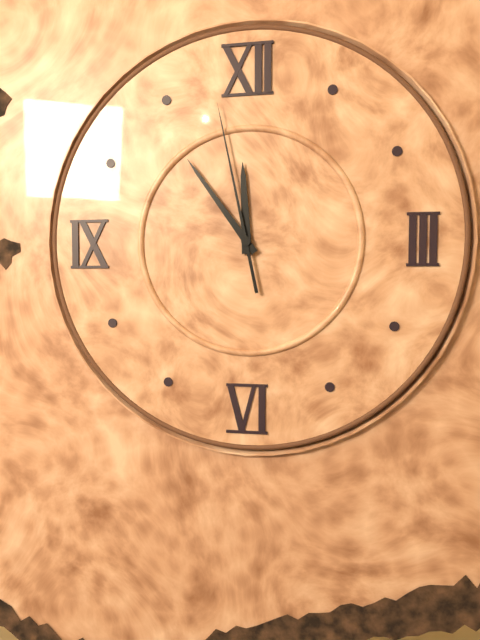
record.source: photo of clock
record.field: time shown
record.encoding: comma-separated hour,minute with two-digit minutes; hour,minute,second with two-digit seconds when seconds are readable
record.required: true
11,54,58
